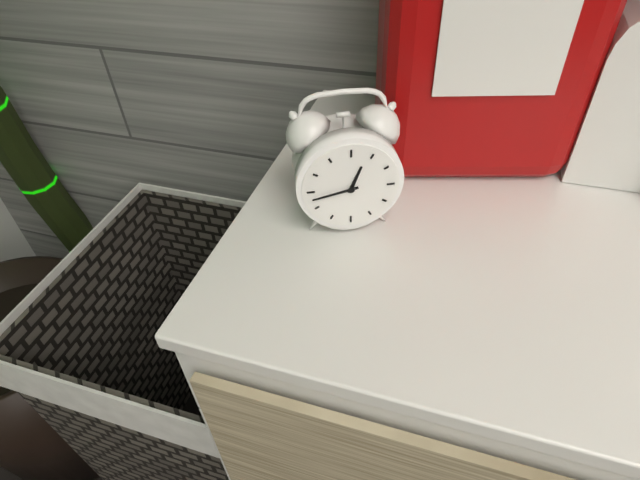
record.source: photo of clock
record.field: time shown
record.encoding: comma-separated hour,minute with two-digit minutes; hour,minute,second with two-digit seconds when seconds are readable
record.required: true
12,43
